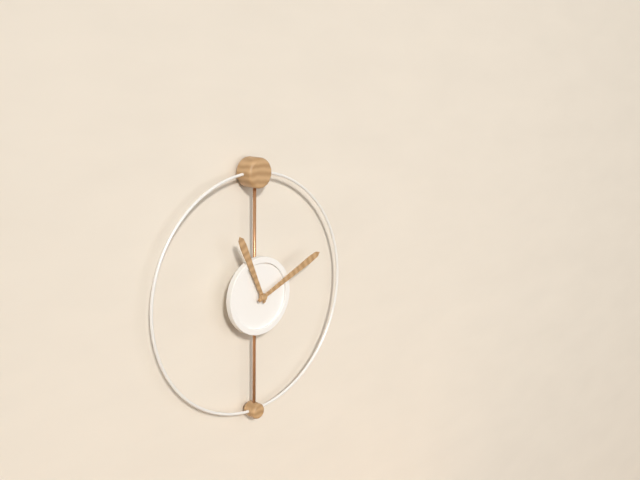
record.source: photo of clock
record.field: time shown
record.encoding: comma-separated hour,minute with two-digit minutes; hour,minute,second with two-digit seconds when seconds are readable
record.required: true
11,11
